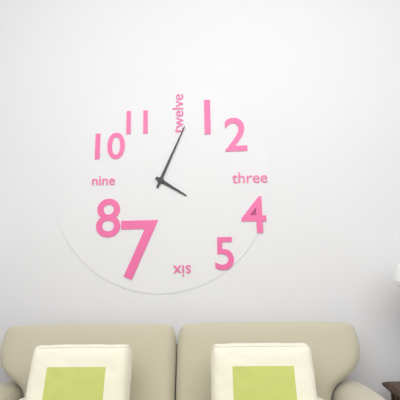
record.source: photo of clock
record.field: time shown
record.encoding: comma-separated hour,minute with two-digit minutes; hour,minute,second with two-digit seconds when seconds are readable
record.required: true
4,04
